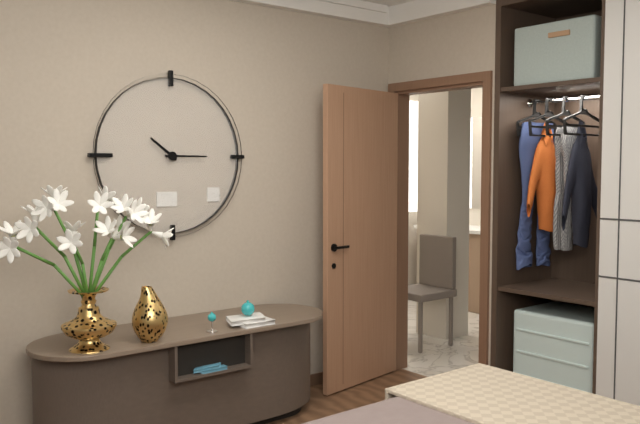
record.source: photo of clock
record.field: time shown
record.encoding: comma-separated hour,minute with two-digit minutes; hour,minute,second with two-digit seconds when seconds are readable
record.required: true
10,15
